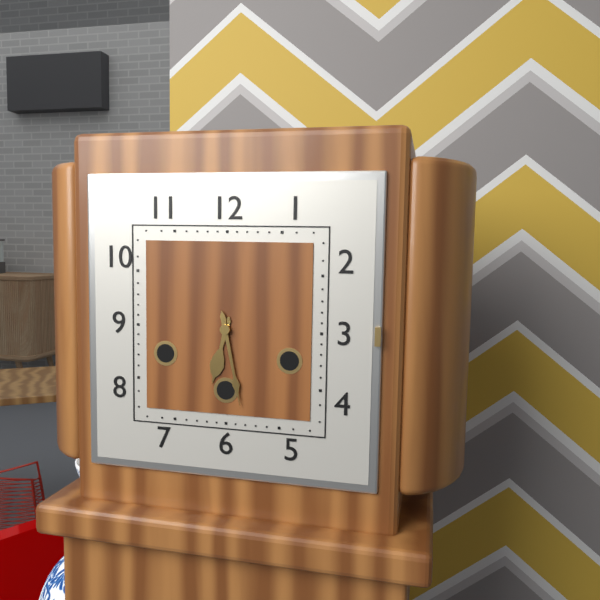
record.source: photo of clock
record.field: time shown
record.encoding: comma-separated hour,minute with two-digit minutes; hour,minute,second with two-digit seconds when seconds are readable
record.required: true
6,28
